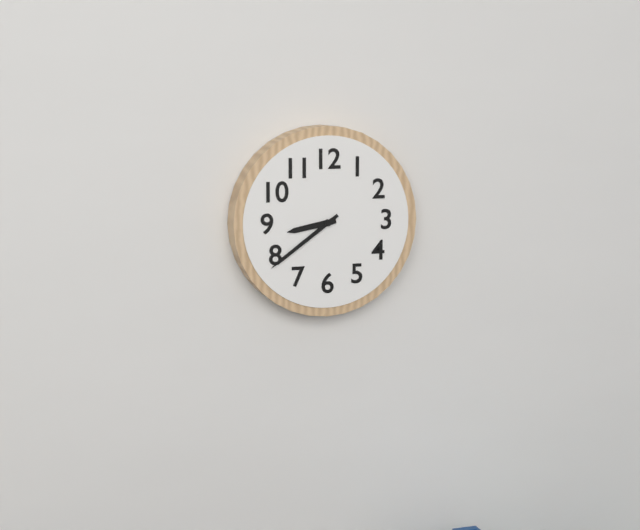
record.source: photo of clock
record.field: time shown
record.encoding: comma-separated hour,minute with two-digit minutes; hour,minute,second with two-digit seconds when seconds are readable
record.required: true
8,39
